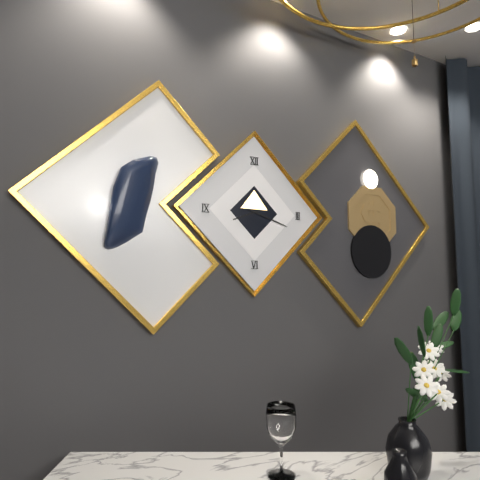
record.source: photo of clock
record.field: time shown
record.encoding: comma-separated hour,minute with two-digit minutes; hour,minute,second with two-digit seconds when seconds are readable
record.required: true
8,18
